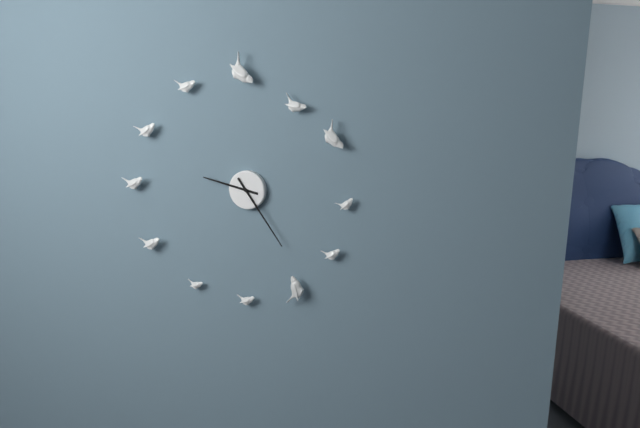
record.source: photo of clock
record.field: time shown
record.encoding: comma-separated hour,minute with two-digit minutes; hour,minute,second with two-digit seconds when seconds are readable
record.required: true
9,24
